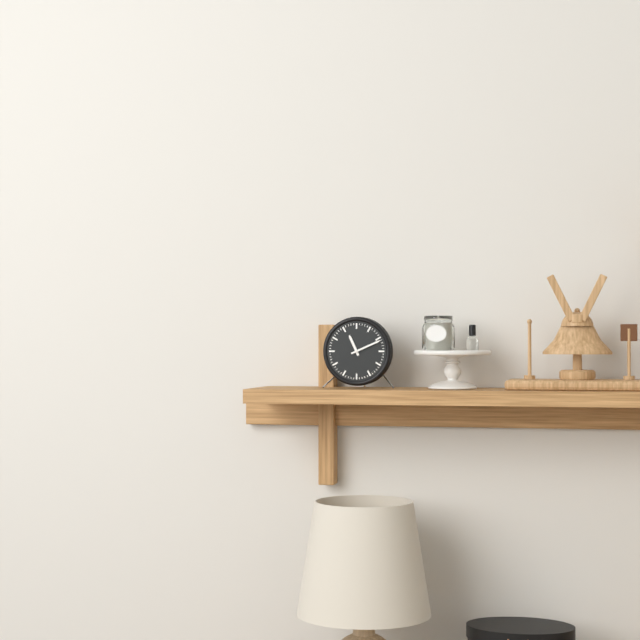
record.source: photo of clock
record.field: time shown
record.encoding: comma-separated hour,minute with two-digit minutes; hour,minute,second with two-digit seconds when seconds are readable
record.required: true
11,11
